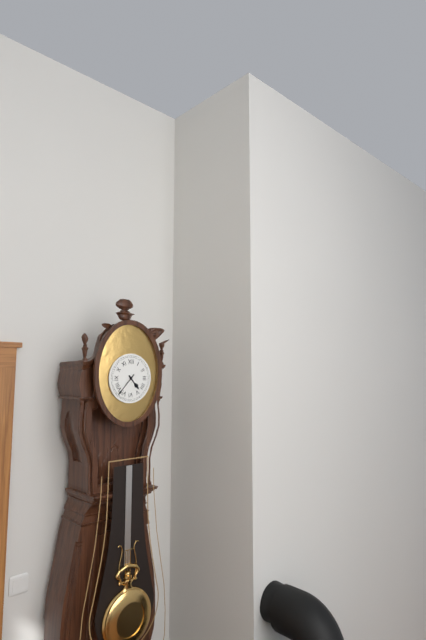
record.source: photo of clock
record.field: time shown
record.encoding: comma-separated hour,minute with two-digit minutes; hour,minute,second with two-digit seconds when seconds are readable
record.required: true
4,37
